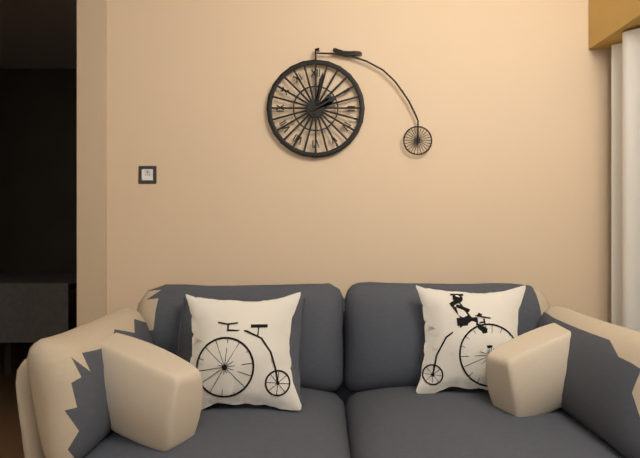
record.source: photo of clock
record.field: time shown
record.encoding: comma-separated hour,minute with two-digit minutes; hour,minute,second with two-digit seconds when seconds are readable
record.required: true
2,02
